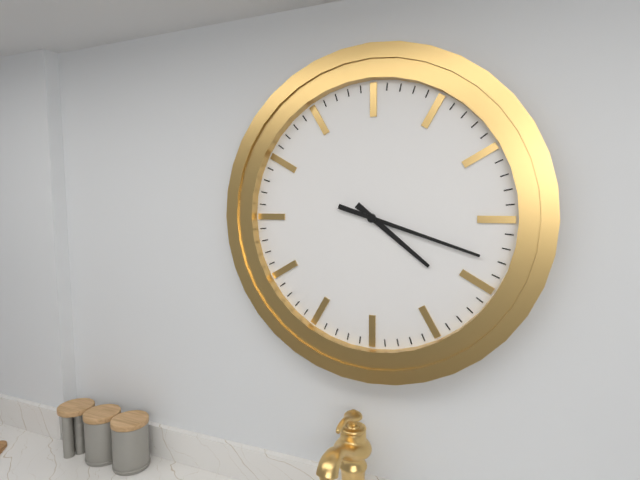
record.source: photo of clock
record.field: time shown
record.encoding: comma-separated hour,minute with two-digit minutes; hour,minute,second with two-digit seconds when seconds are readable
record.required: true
4,18
